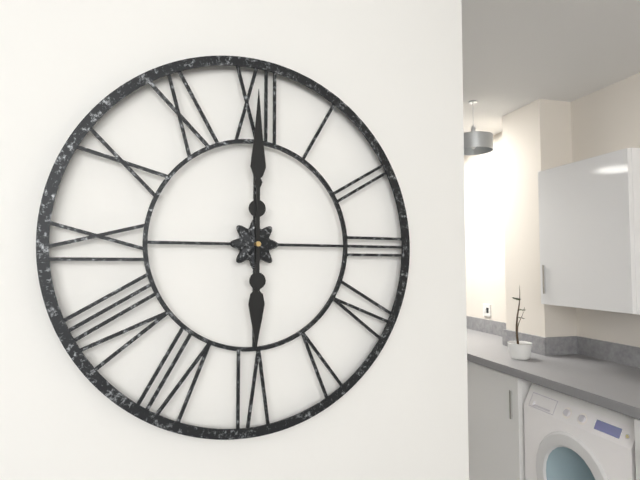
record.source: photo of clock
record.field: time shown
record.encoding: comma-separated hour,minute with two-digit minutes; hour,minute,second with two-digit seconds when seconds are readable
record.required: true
6,00
